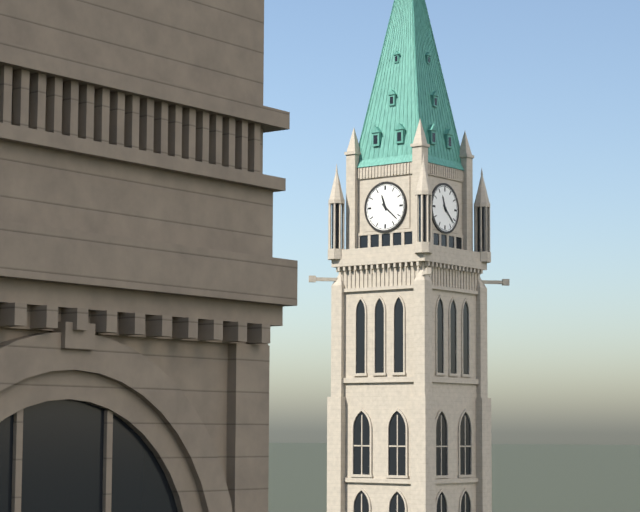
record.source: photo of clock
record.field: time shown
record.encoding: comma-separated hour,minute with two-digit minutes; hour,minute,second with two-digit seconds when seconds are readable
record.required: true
11,22
